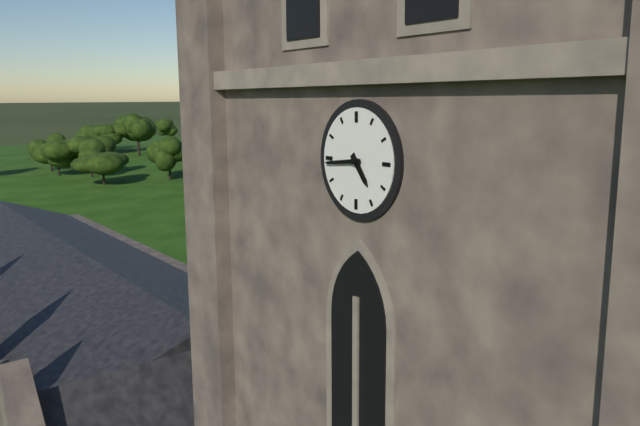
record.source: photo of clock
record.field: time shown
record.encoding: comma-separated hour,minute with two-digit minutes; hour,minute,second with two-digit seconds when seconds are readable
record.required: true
4,44
